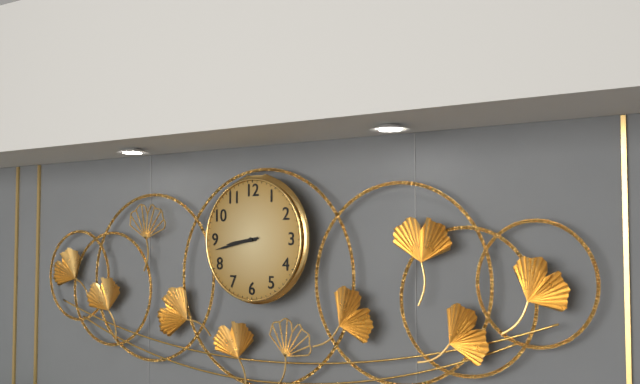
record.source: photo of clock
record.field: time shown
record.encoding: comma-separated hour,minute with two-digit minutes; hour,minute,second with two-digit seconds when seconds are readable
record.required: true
8,43
